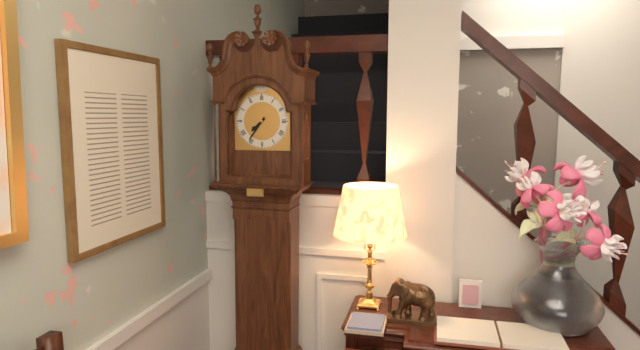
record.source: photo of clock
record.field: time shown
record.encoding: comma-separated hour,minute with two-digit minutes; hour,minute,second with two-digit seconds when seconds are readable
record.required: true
7,36
